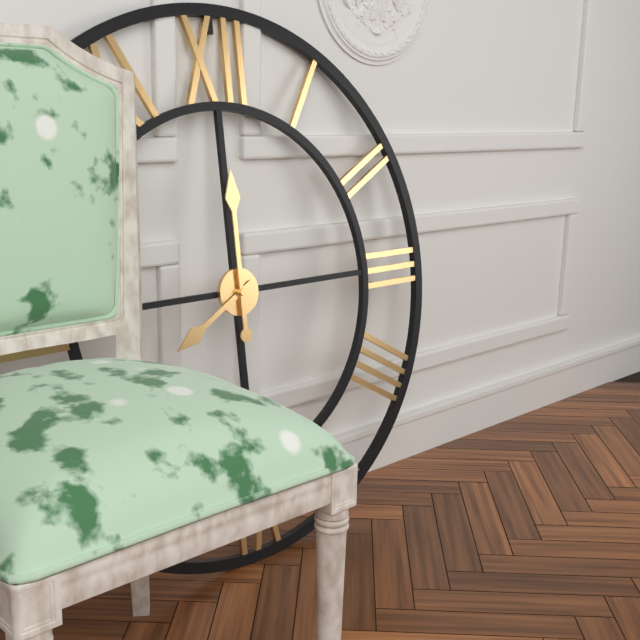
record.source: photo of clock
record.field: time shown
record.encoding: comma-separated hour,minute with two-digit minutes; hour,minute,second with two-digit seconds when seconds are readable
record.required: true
8,00
